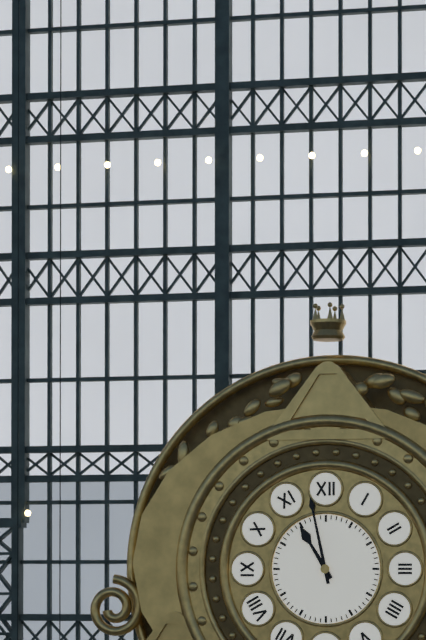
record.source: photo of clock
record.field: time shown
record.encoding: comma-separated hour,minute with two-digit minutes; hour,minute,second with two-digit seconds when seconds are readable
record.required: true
10,58
